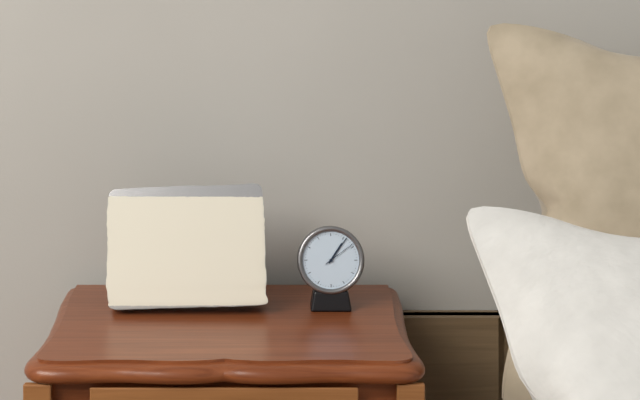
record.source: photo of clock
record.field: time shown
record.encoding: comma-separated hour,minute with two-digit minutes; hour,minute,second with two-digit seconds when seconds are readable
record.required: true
1,06
